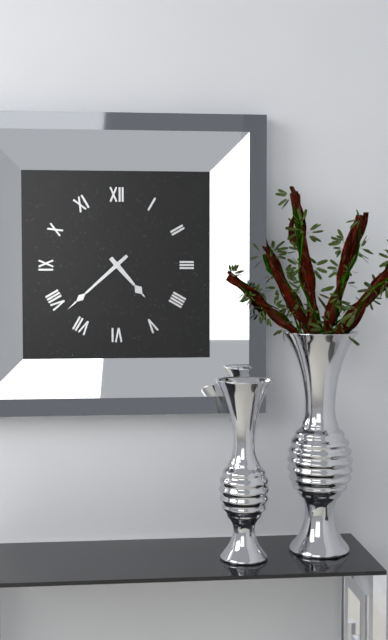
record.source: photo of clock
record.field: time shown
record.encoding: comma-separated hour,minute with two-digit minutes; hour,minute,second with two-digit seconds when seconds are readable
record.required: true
4,38
